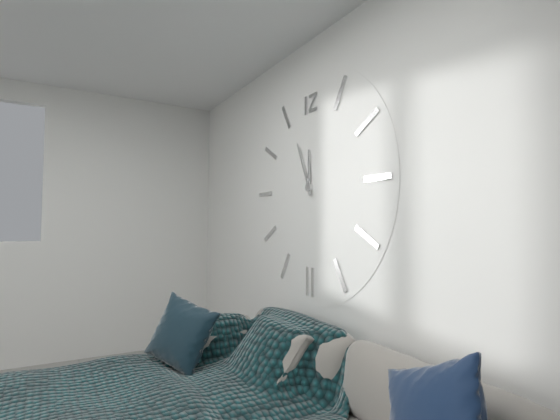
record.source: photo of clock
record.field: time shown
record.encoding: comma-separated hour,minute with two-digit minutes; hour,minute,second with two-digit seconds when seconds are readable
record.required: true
11,56
